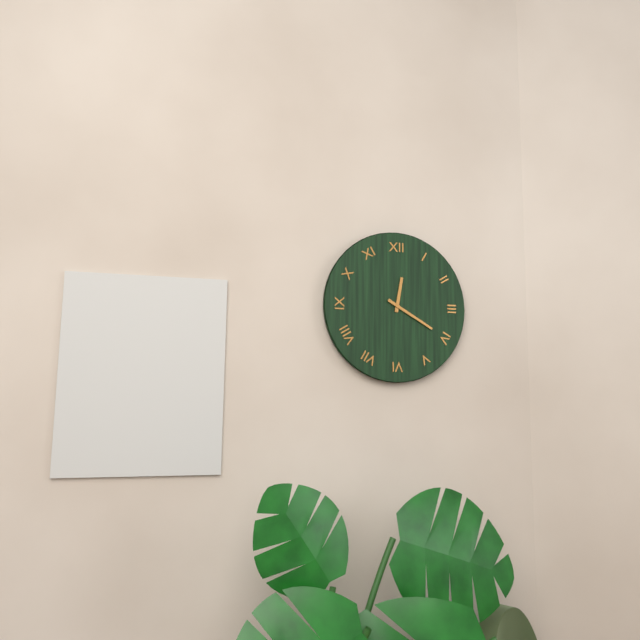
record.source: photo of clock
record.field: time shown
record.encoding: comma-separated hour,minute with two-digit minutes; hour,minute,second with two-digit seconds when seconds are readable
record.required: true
12,20
